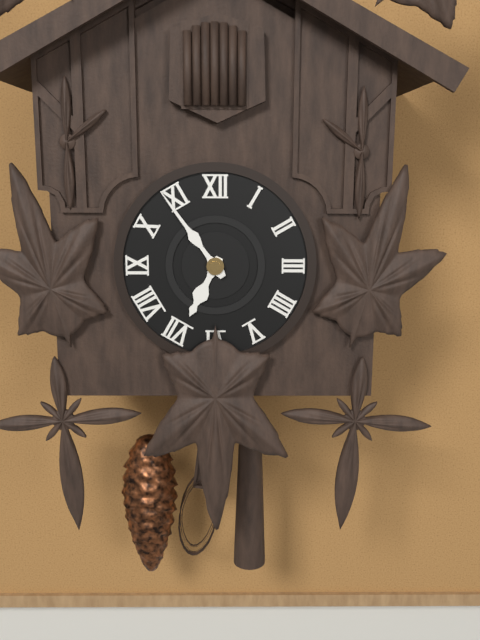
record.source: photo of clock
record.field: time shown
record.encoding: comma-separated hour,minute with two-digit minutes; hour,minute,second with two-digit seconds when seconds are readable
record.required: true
6,54
